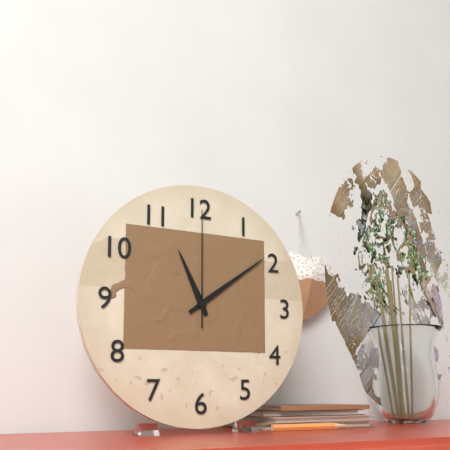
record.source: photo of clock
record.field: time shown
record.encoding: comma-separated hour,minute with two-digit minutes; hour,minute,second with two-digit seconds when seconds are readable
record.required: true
11,09,00
